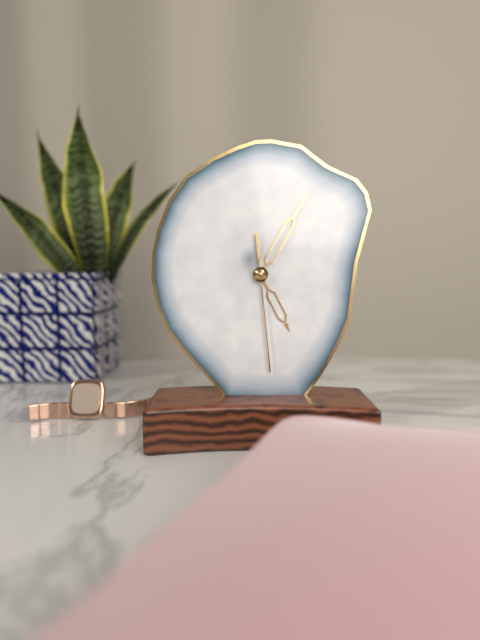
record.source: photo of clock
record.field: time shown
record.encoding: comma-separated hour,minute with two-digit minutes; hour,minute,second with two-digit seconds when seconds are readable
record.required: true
5,05,29
